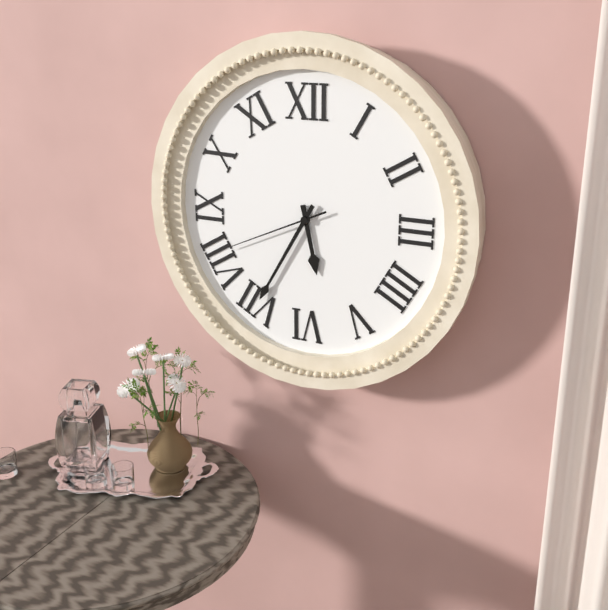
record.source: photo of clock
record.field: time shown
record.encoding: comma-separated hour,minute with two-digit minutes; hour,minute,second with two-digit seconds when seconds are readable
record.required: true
5,35,41
